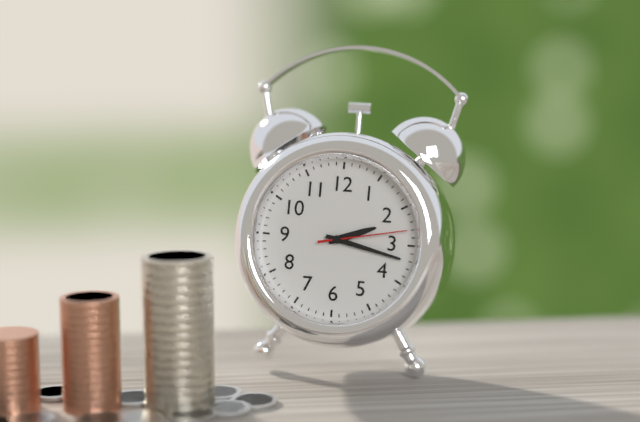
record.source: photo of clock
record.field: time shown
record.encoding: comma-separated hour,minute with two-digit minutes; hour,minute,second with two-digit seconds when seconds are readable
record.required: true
2,17,13
